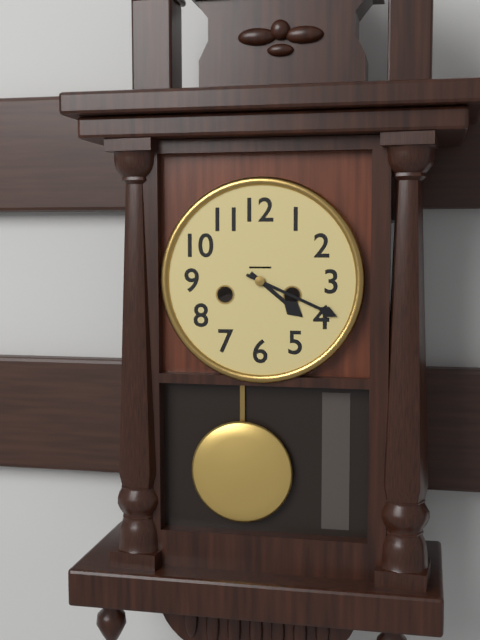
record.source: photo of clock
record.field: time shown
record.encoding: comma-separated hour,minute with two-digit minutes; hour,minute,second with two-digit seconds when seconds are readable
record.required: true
4,19
